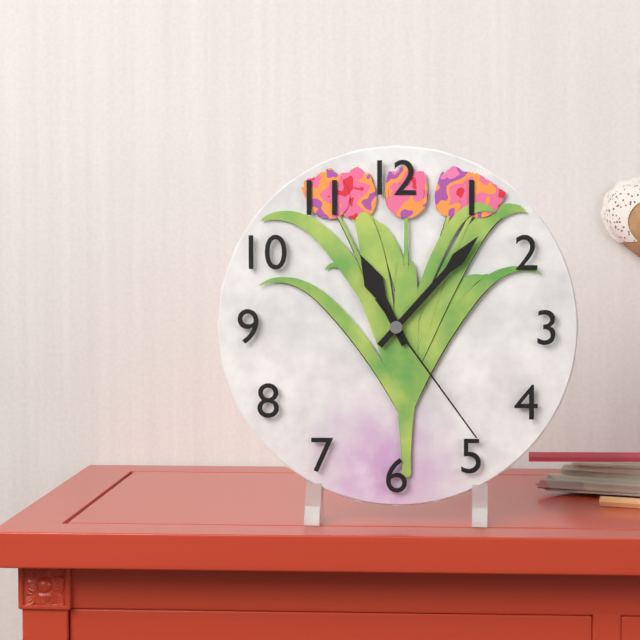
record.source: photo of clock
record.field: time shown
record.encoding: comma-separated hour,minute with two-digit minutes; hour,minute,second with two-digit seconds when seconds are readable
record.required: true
11,07,24
